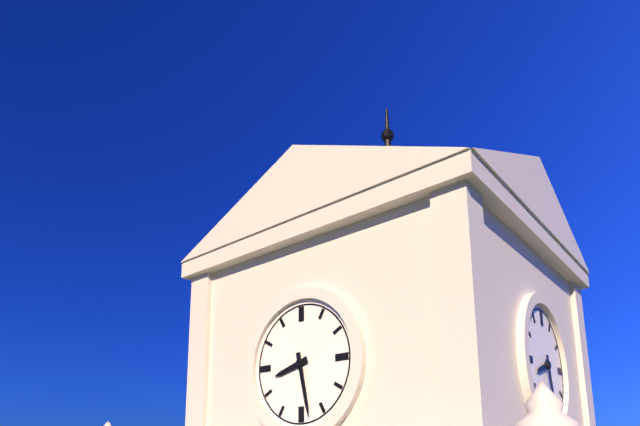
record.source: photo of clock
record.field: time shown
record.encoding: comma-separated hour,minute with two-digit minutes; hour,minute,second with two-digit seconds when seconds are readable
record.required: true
8,28
